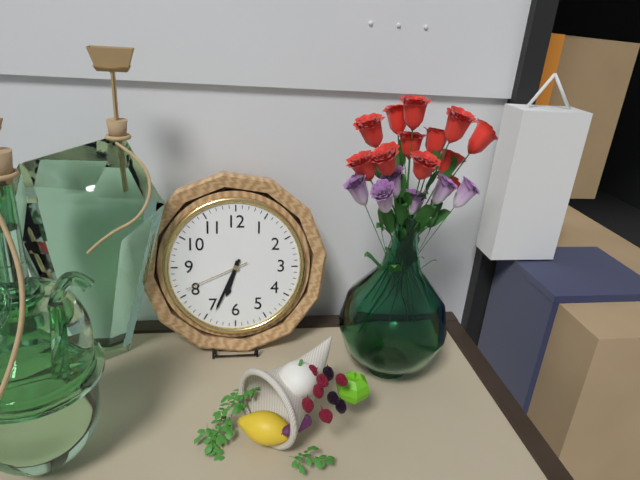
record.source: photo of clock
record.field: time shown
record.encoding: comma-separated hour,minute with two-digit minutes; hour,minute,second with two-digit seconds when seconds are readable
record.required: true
6,34,41
